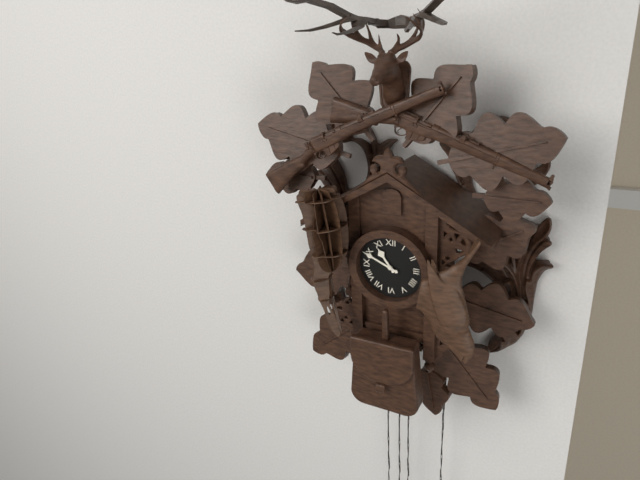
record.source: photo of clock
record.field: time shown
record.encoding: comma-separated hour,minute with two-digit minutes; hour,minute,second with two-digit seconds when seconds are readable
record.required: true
10,49
